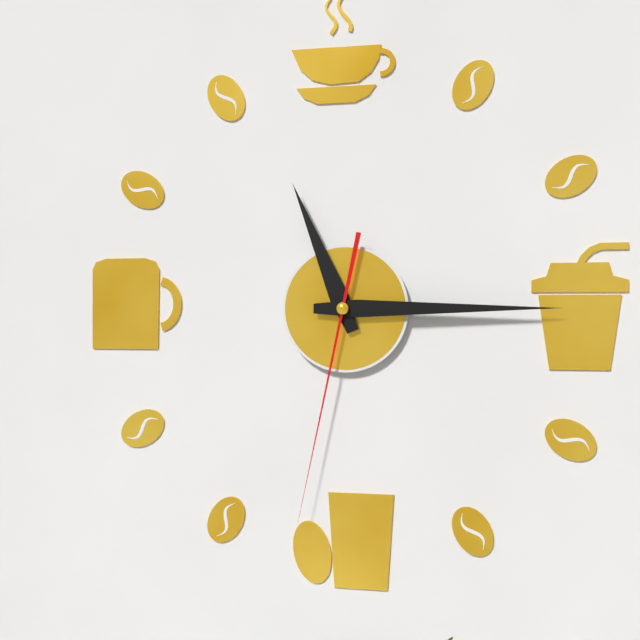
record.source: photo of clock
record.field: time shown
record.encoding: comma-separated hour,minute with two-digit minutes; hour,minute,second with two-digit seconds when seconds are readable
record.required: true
11,15,32
